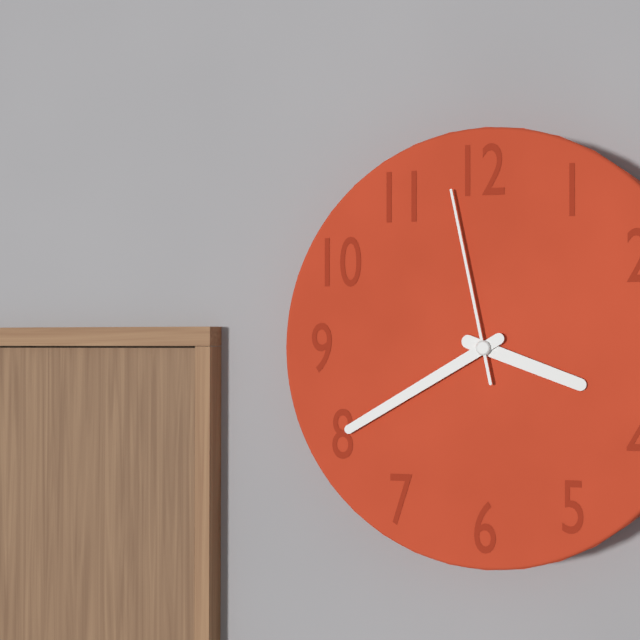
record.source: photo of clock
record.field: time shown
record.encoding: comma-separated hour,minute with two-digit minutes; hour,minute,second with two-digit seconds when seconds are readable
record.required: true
3,40,58
